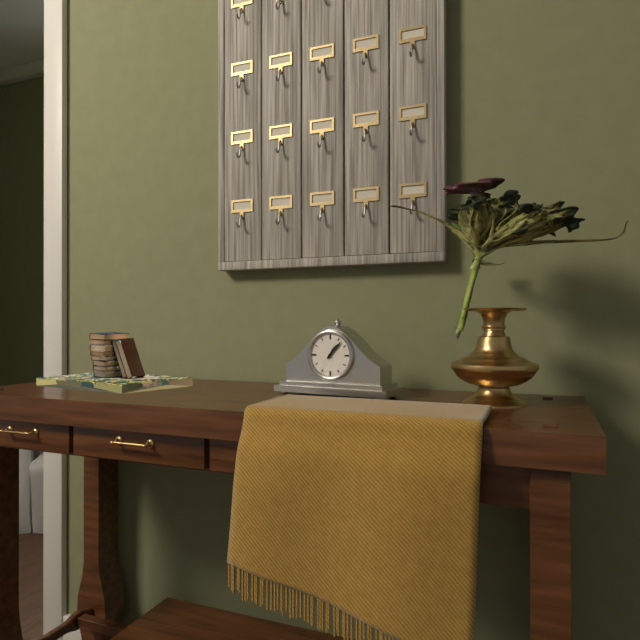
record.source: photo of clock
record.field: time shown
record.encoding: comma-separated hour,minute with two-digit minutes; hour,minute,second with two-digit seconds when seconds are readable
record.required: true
1,07
